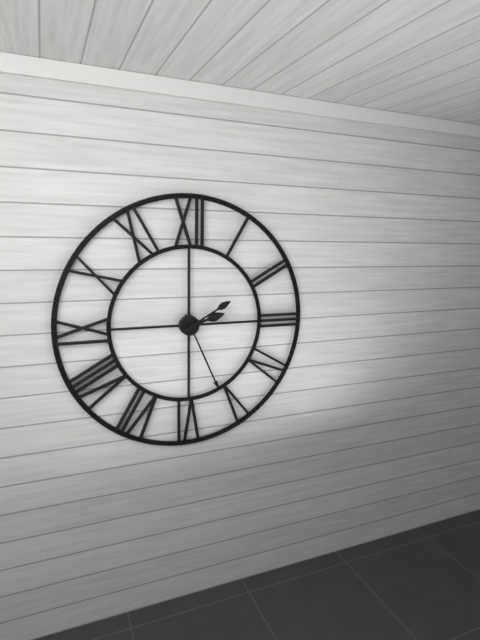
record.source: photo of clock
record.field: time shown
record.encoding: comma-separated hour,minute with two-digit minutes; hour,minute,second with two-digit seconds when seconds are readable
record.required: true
2,26,10
